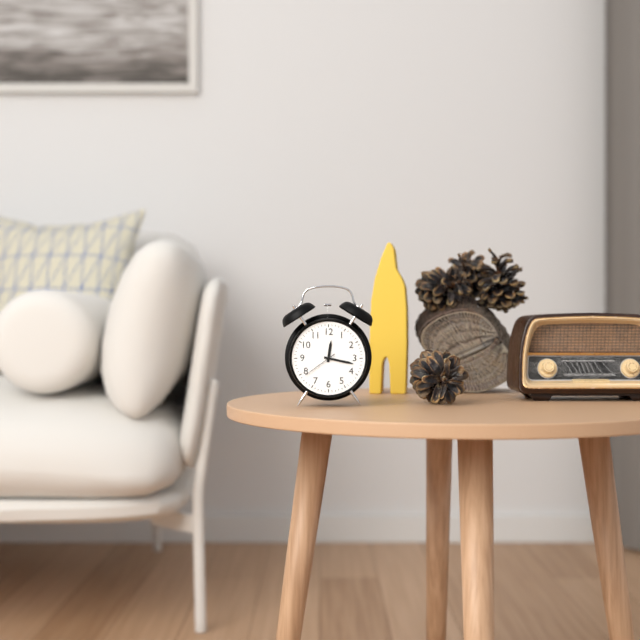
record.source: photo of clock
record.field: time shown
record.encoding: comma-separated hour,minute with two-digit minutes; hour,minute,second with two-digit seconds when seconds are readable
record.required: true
12,17
